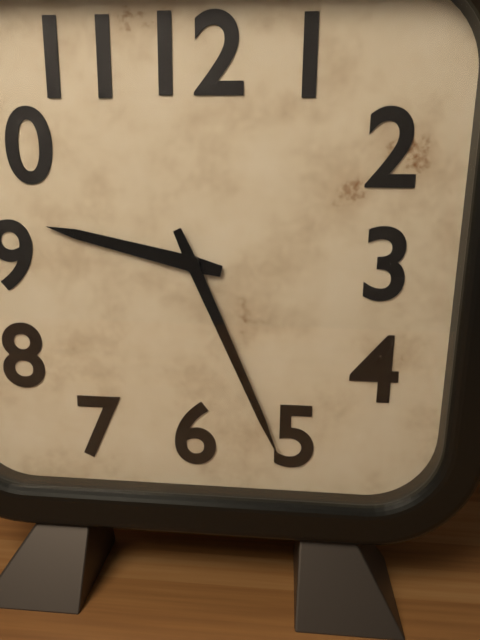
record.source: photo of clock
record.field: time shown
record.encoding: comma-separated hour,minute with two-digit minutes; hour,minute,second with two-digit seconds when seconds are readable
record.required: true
9,26
